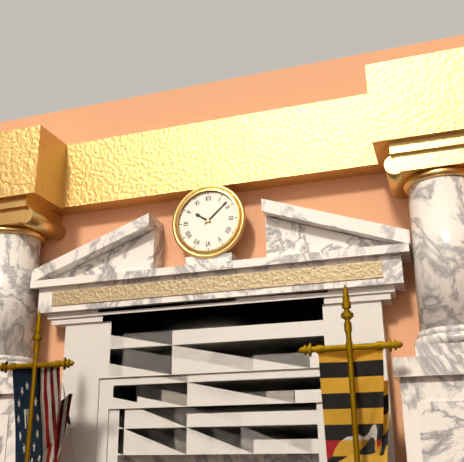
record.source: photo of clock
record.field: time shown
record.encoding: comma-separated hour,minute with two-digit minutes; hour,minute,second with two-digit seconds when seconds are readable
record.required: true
10,08
